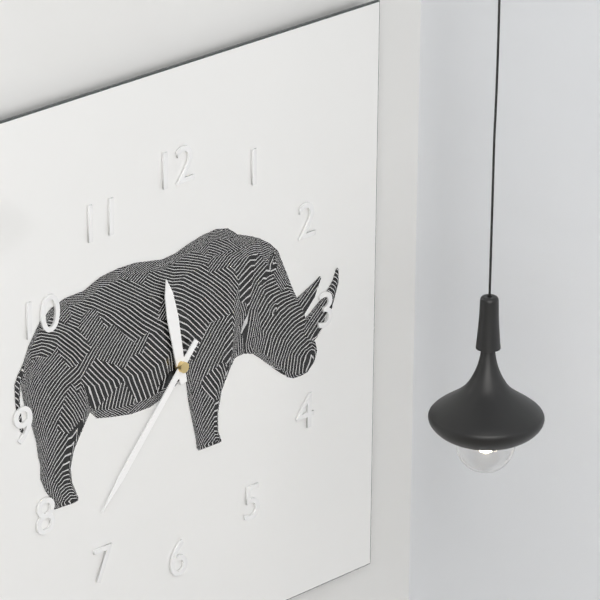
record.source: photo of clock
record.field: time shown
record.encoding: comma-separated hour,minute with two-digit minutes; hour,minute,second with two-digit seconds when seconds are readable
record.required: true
11,37
